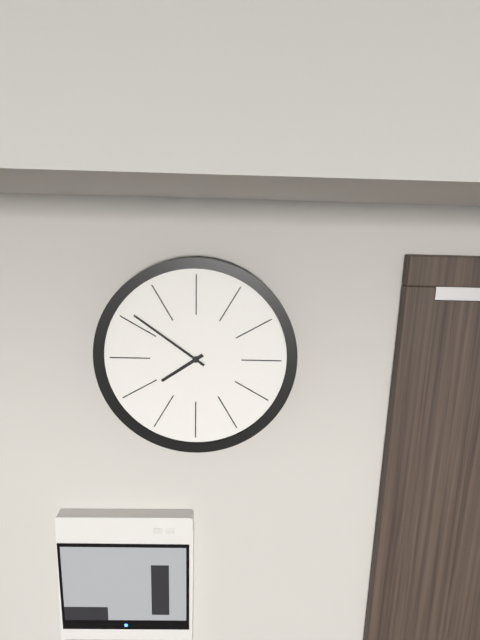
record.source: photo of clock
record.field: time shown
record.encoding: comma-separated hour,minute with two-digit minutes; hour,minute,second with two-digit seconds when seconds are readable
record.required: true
7,51
